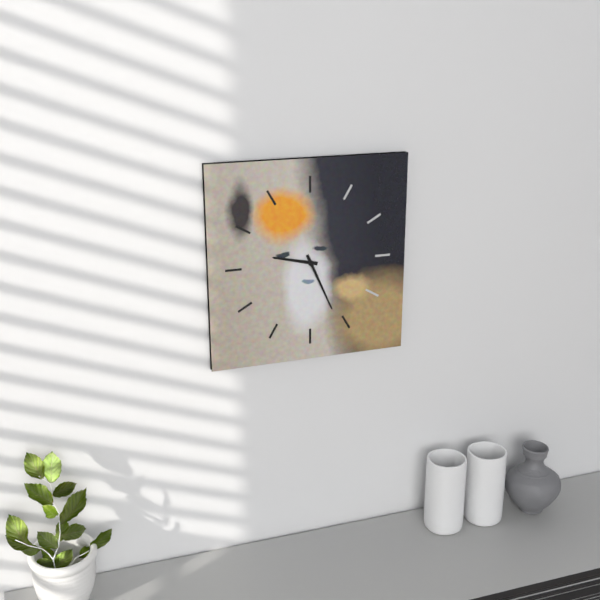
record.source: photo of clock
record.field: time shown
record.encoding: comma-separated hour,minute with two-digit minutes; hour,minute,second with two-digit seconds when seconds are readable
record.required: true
9,26
